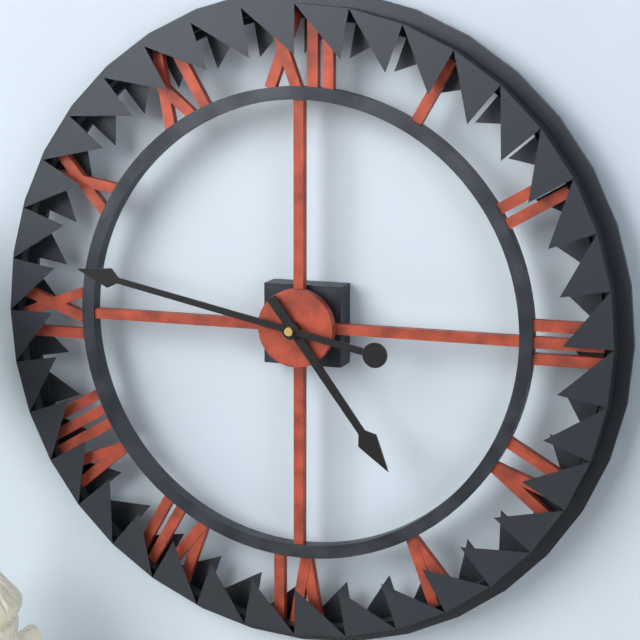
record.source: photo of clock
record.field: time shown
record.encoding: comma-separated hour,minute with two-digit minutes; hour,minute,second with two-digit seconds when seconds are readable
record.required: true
4,47
